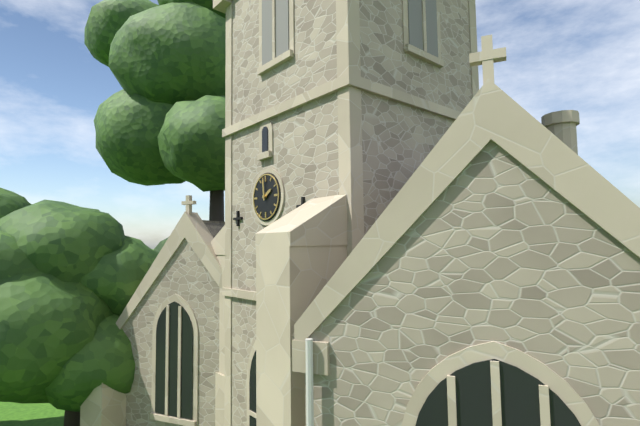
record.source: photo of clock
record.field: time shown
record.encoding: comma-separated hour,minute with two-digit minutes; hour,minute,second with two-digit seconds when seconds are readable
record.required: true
1,59
